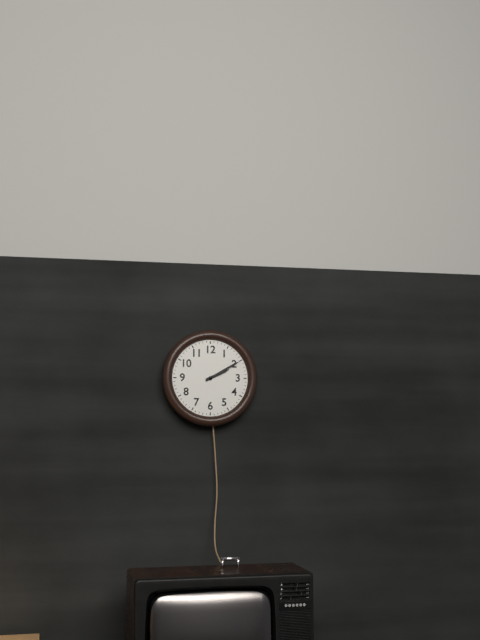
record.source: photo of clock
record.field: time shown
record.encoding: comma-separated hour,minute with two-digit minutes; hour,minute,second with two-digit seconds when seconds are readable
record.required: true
2,10
